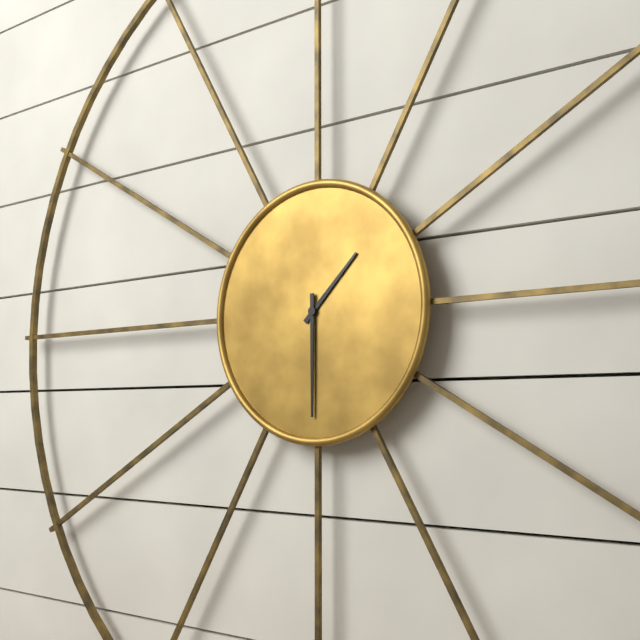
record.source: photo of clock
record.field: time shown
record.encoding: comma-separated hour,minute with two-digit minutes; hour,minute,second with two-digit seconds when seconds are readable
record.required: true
1,30
